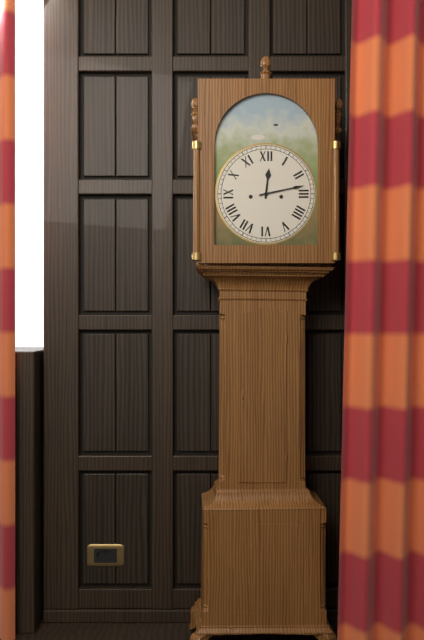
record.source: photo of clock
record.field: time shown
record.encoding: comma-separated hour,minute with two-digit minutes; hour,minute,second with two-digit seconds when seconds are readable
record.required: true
12,13
